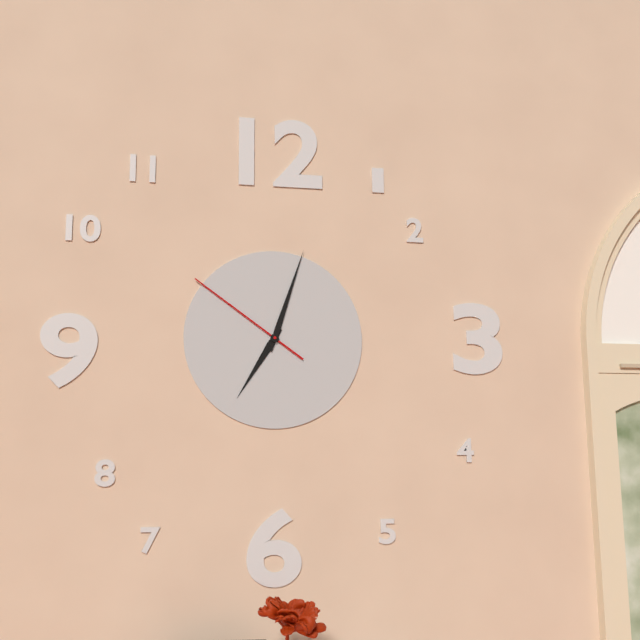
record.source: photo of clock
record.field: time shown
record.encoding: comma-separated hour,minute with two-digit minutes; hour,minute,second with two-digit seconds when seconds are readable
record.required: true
7,03,51
